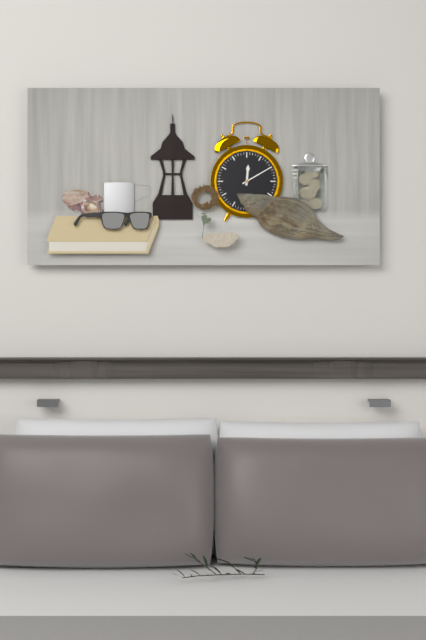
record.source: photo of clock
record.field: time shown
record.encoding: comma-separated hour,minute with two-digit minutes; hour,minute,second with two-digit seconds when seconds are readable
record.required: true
12,10
